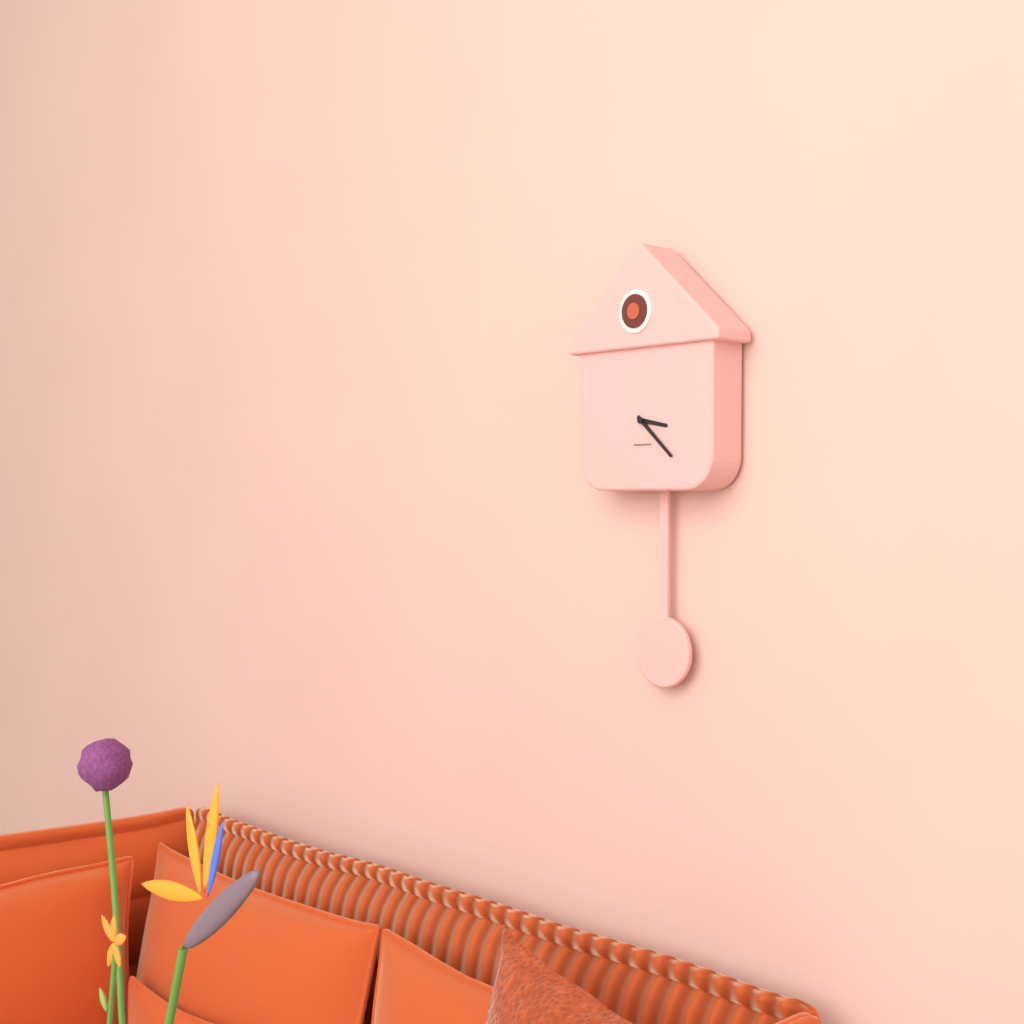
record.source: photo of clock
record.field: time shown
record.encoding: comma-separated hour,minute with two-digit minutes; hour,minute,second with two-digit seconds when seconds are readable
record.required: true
3,22
